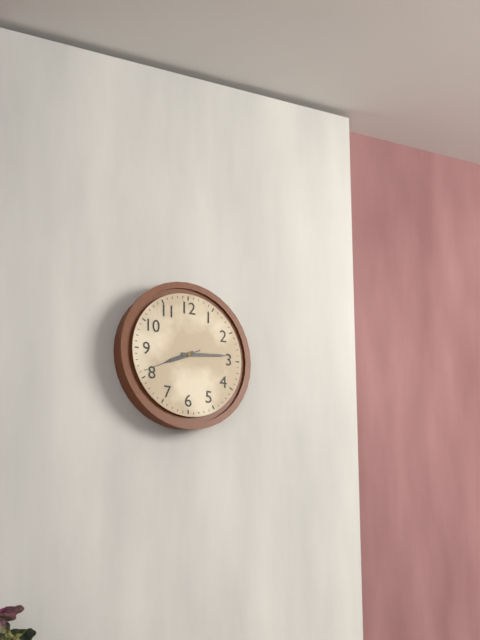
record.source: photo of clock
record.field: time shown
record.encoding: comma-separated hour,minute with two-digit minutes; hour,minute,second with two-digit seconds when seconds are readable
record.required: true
8,14,41
